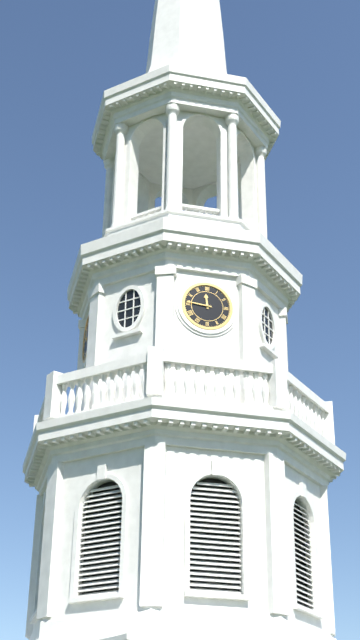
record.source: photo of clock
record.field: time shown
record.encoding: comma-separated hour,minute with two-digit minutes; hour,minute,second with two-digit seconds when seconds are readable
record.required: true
11,46
